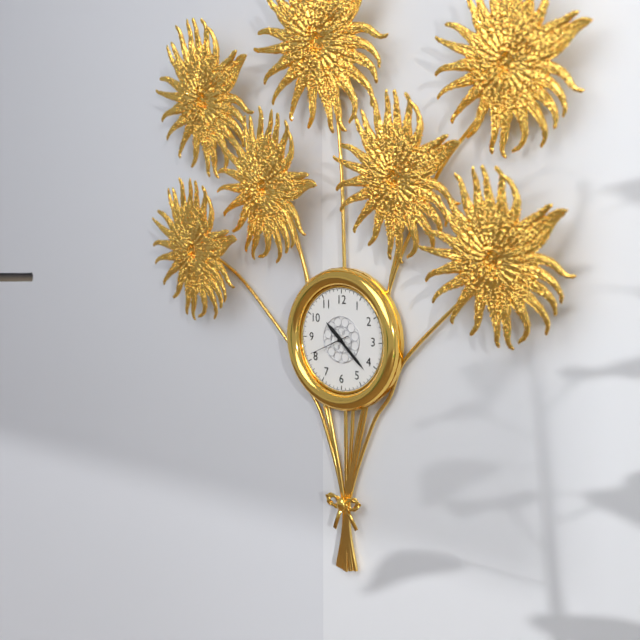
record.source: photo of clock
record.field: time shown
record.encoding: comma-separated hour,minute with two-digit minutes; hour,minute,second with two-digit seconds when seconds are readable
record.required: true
10,22
